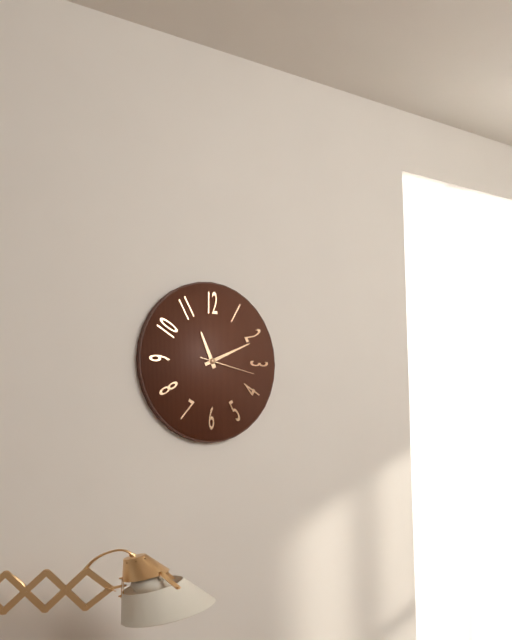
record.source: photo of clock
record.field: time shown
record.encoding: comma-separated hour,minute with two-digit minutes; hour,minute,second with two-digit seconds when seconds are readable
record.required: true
11,11,17
